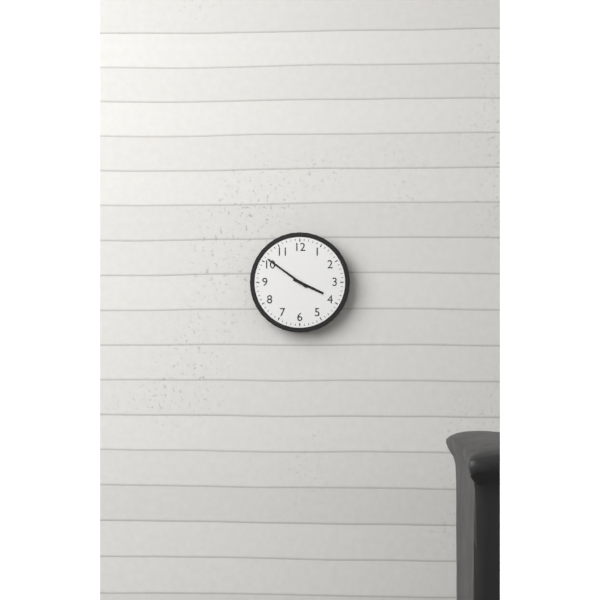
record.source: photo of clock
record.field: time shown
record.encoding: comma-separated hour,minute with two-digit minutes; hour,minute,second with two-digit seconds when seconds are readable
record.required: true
3,51
